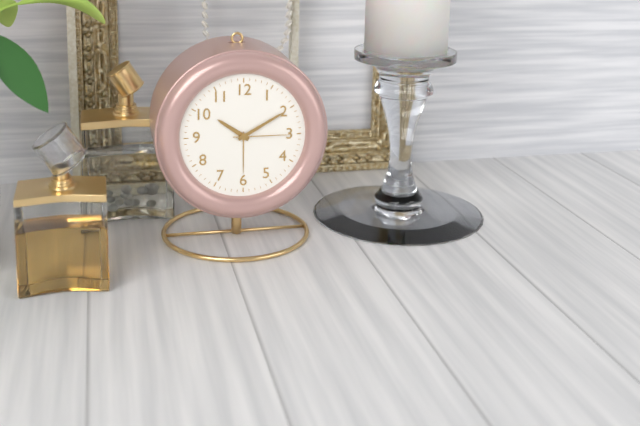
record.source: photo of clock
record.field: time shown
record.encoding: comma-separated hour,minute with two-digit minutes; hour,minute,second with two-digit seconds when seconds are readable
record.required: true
10,10,15
